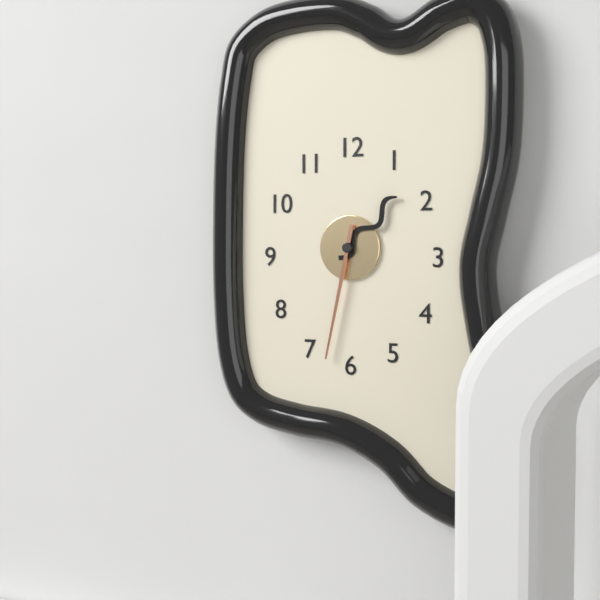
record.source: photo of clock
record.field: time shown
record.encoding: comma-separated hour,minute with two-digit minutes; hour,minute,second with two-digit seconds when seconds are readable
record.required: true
1,32
